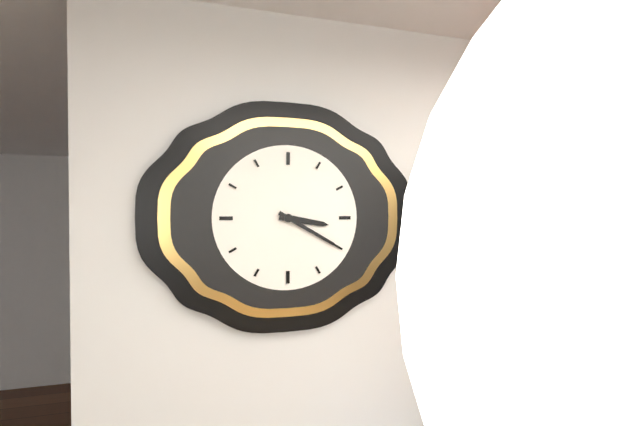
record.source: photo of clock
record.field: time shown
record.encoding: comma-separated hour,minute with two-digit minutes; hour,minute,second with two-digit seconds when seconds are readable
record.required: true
3,20
